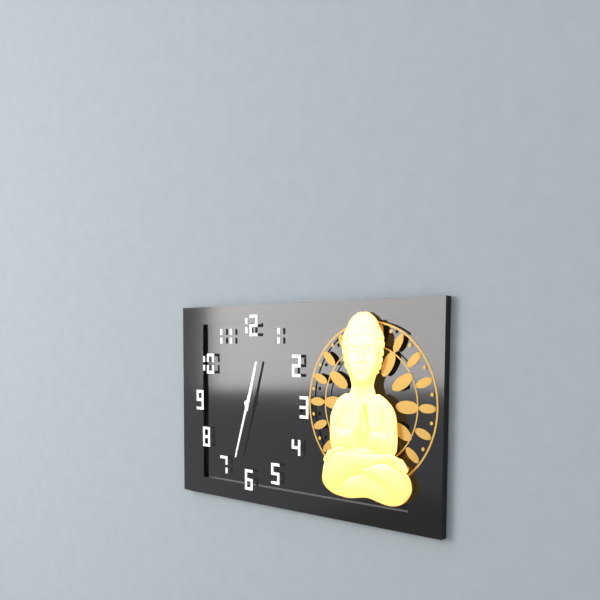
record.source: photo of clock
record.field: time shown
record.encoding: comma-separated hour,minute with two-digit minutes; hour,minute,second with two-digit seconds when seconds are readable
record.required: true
12,33
